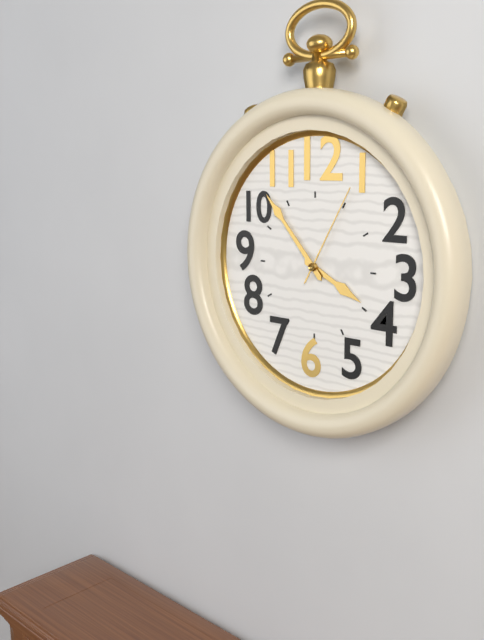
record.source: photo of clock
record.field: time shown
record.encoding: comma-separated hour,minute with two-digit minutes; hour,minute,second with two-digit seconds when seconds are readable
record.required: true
3,53,05
